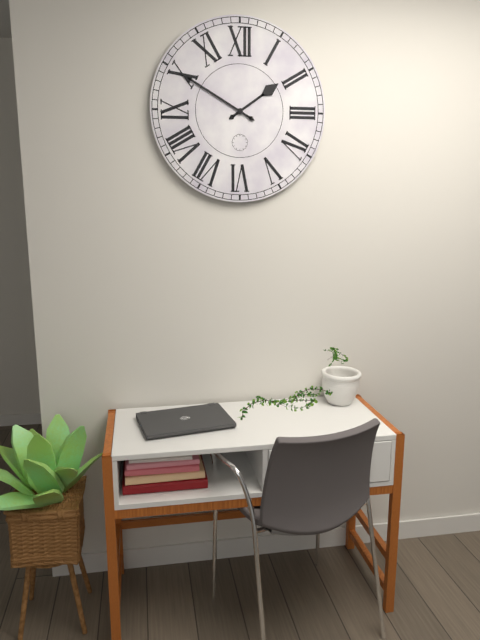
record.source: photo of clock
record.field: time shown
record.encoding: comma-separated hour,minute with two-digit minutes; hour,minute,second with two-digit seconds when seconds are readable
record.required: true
1,50
